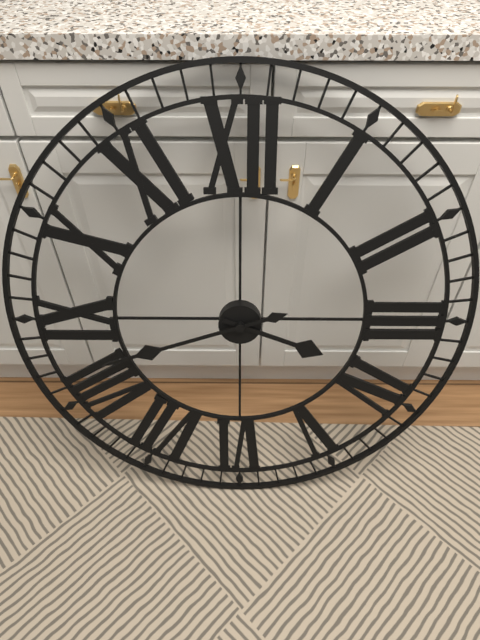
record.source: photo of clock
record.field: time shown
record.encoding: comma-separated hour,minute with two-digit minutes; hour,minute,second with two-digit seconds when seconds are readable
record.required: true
3,42
